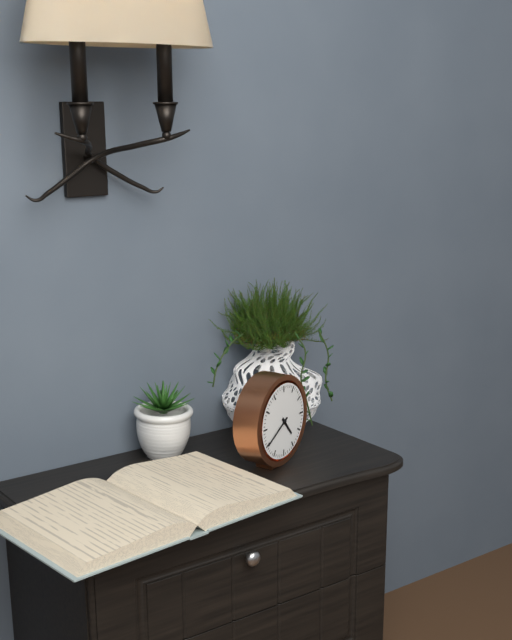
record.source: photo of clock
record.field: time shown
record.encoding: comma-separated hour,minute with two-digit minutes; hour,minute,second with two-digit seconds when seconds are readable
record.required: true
4,40
